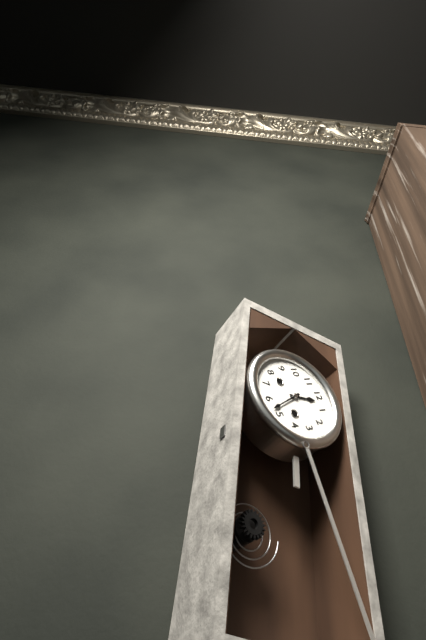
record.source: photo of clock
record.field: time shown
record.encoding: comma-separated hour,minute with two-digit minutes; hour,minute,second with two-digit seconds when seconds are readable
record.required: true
12,27
